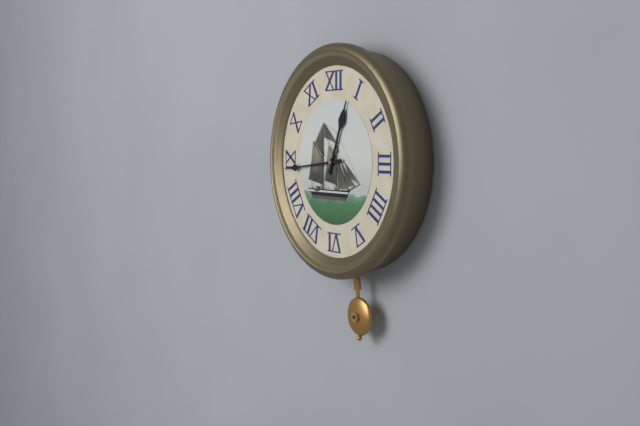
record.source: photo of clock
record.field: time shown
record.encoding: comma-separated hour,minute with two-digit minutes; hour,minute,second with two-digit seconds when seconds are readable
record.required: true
12,44
